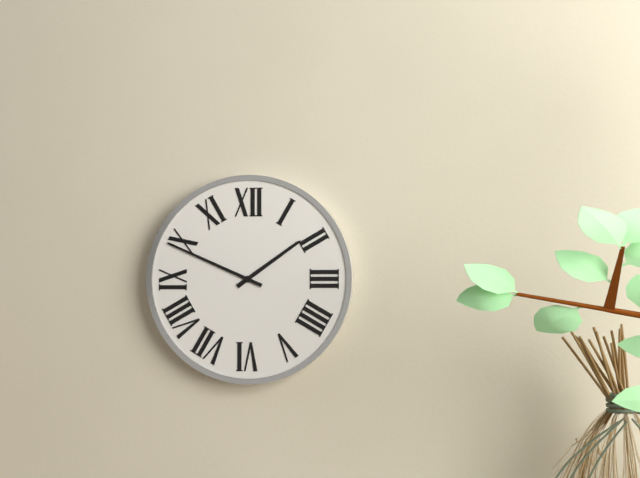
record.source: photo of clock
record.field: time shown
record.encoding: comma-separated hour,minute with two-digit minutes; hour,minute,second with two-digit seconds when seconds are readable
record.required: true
1,49
